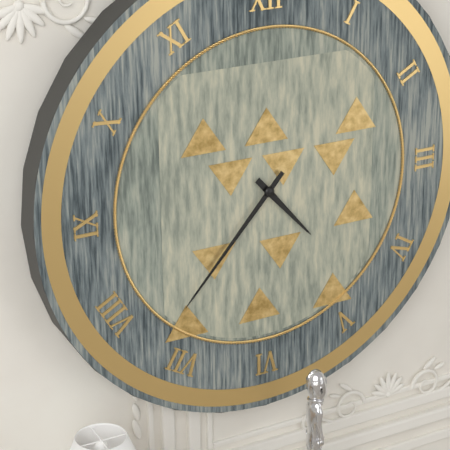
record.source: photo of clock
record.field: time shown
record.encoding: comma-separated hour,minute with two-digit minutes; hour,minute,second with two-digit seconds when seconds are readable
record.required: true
4,37
